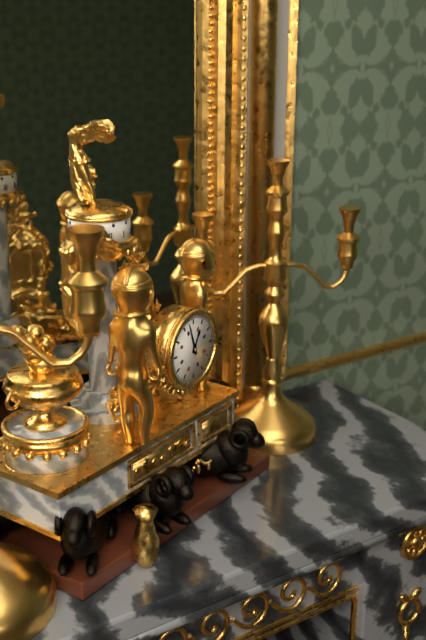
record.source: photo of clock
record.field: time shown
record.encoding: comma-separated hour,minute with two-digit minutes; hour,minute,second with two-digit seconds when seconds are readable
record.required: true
12,57
